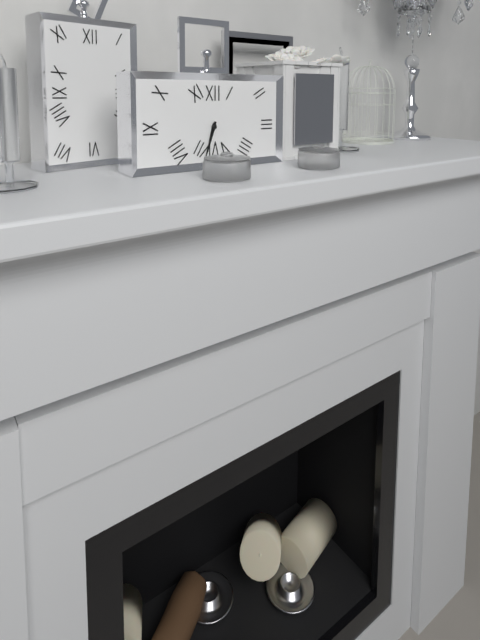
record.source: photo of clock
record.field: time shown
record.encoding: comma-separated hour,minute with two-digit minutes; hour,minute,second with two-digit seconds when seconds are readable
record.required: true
6,33
